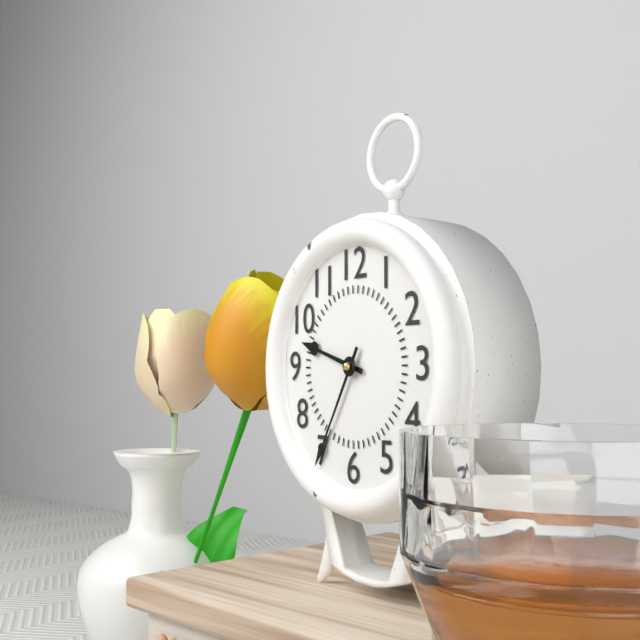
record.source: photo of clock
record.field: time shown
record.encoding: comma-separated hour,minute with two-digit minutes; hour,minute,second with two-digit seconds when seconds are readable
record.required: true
9,35
